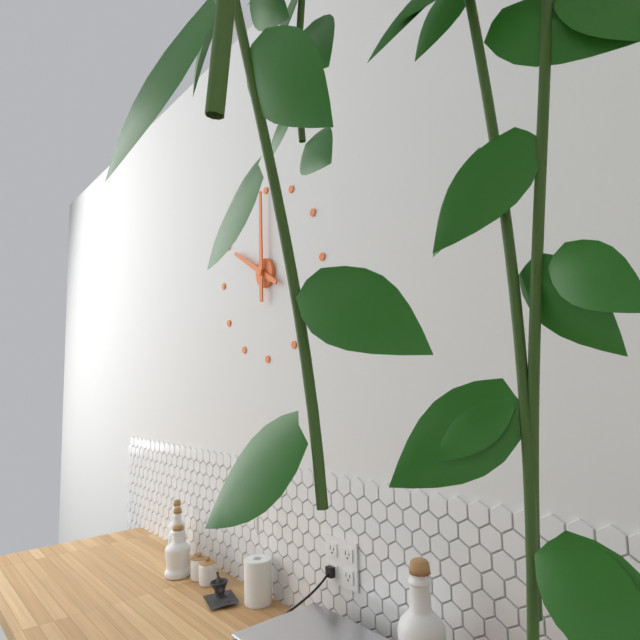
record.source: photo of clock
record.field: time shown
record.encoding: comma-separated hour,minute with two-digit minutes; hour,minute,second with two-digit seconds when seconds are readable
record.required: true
10,00
